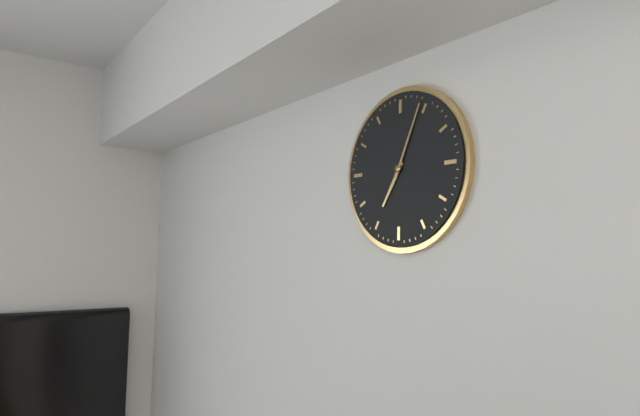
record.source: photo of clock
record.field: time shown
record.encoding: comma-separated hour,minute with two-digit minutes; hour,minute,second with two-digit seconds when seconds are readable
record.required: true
7,04
